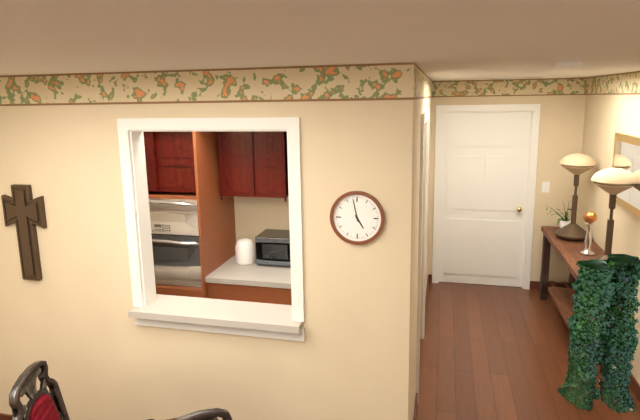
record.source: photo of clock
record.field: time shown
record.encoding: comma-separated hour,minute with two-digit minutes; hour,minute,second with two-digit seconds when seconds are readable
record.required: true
4,58
